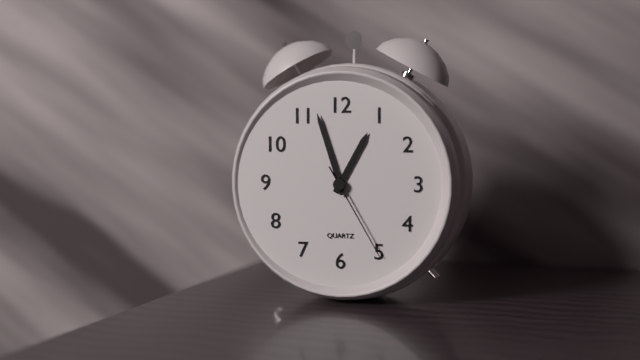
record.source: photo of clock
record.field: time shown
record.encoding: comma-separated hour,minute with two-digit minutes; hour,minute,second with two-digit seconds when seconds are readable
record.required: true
12,57,25
